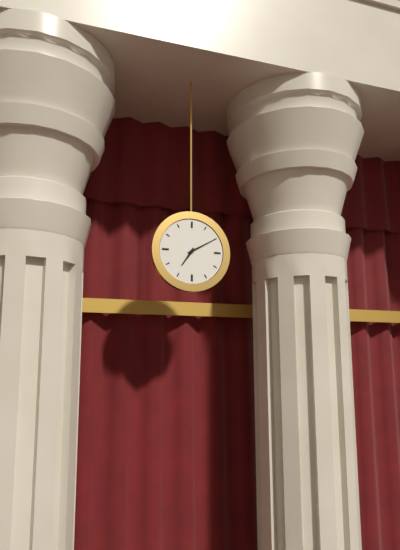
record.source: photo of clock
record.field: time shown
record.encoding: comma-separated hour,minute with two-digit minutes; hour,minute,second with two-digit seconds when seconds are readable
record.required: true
7,10
